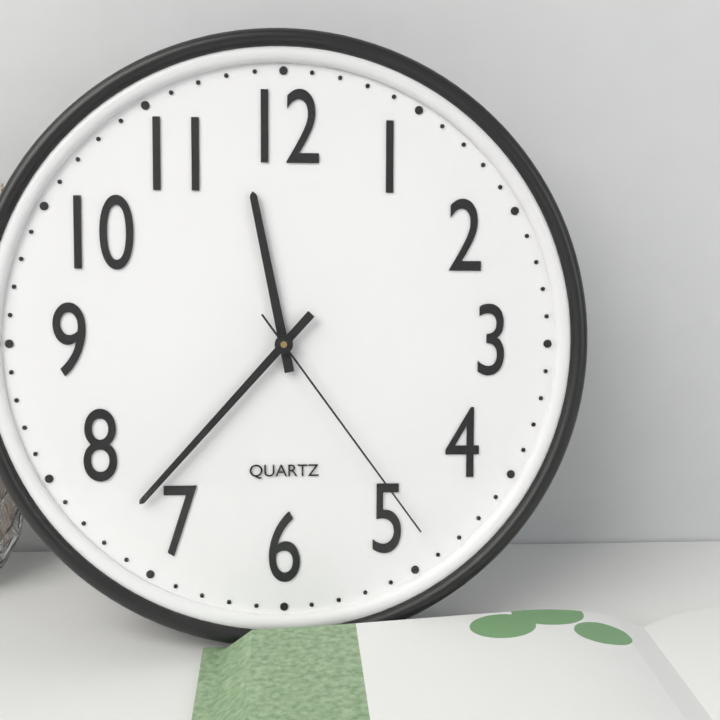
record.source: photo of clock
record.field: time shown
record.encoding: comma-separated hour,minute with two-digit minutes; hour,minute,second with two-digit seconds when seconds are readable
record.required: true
11,37,24
